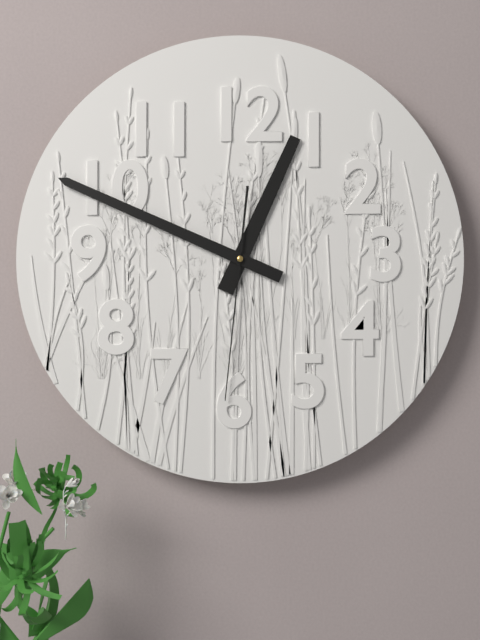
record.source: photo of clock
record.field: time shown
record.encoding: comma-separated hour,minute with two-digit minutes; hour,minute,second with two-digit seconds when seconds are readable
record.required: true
12,49,31
